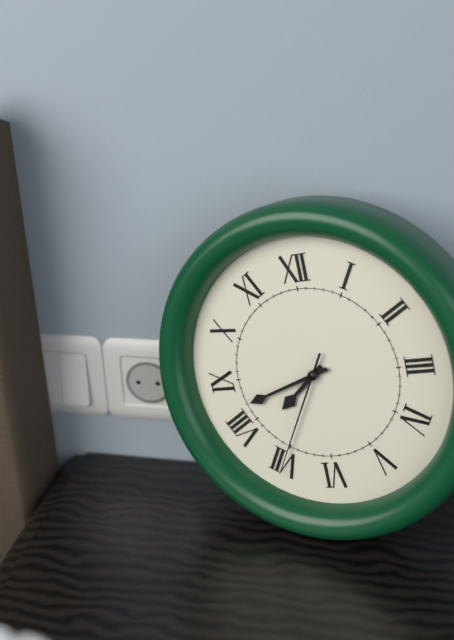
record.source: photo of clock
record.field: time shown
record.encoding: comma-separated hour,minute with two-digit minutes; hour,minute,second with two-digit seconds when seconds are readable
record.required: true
7,42,35
